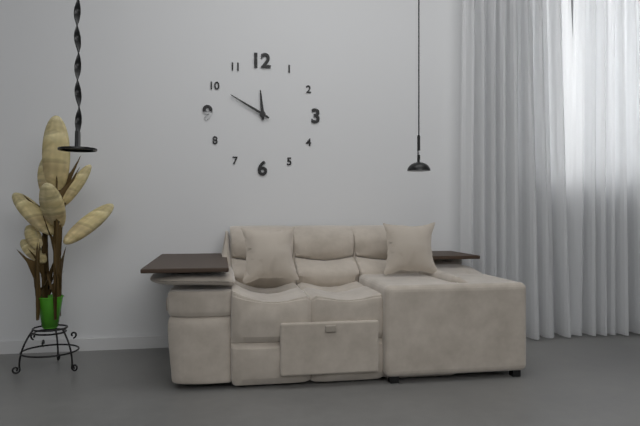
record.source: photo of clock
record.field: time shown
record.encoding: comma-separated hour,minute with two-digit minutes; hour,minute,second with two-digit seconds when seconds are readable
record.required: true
11,50
